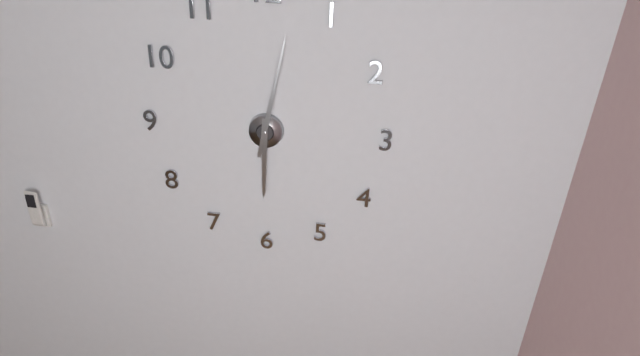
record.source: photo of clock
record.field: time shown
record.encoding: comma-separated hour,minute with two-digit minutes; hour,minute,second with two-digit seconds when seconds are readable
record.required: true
6,02
